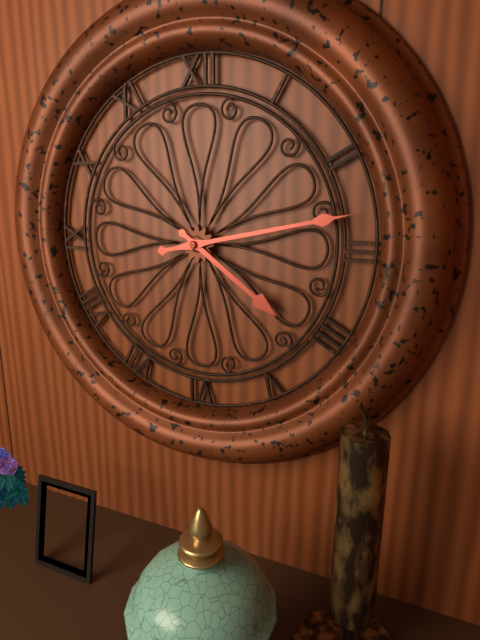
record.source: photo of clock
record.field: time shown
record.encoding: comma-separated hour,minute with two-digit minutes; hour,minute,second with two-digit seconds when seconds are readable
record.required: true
4,13
